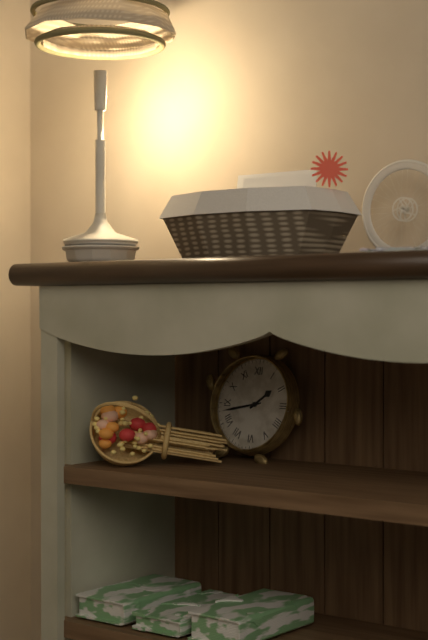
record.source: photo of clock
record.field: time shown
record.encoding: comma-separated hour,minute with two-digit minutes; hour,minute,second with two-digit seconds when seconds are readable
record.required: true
1,43
